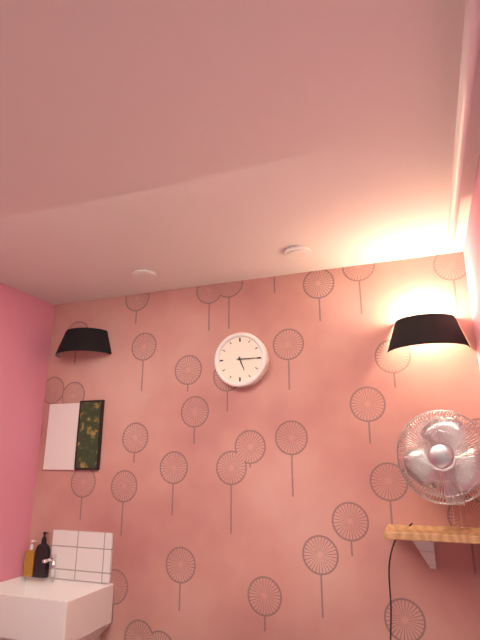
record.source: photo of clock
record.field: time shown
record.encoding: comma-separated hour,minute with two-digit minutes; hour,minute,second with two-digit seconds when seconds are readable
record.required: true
5,15
